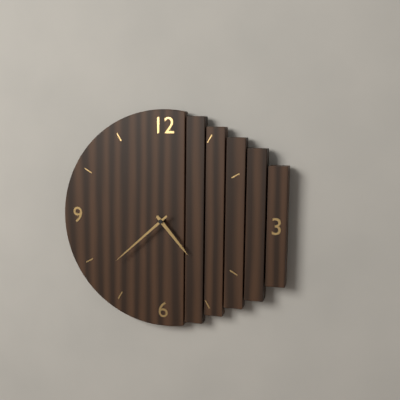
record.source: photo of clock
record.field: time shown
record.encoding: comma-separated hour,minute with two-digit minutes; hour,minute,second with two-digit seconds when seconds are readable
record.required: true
4,38
